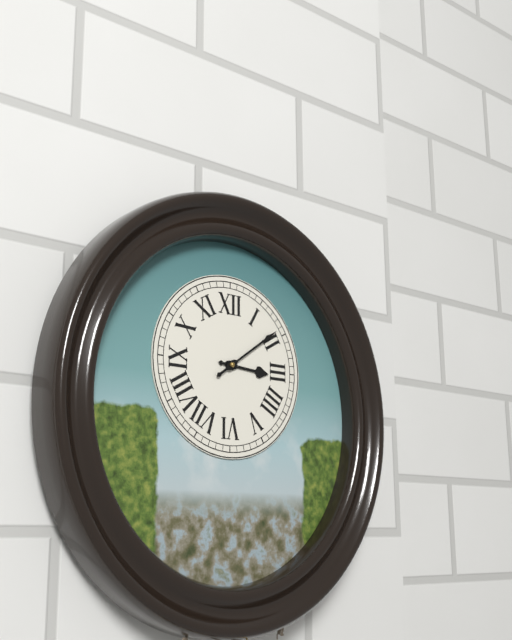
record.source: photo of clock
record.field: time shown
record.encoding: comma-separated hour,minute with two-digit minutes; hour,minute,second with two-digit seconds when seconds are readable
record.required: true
3,09
